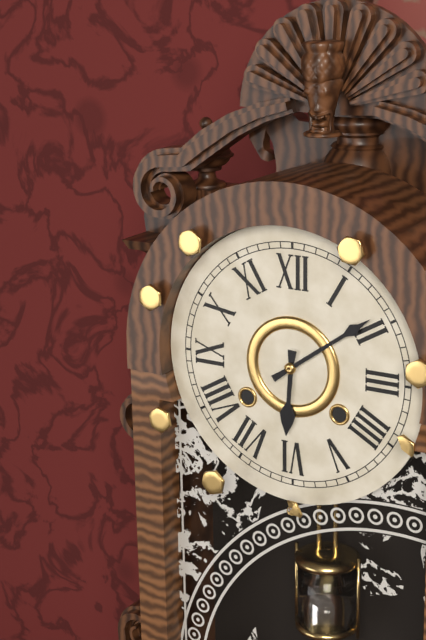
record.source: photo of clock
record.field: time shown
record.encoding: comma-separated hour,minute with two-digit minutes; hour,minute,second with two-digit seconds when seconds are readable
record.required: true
6,09
